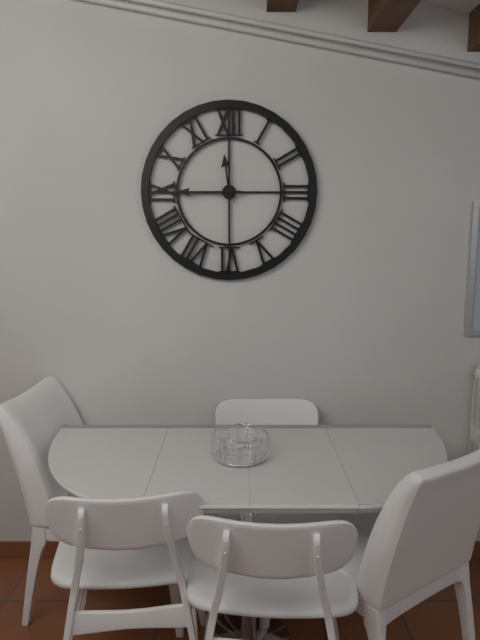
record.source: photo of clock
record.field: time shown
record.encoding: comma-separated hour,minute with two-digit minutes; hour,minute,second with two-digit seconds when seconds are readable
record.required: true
11,45
